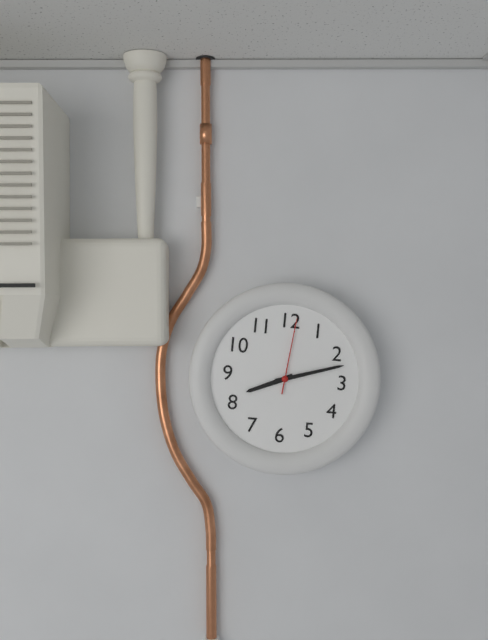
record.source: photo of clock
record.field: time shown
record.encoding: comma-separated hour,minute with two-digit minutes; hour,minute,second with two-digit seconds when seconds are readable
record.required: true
8,12,01
